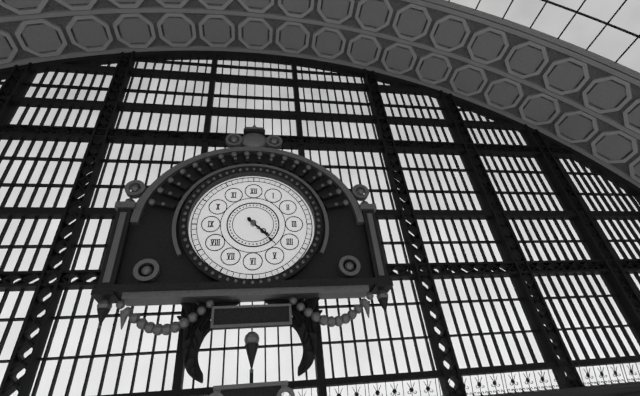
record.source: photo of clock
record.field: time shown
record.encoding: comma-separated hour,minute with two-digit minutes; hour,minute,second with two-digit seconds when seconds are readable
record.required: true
4,23
